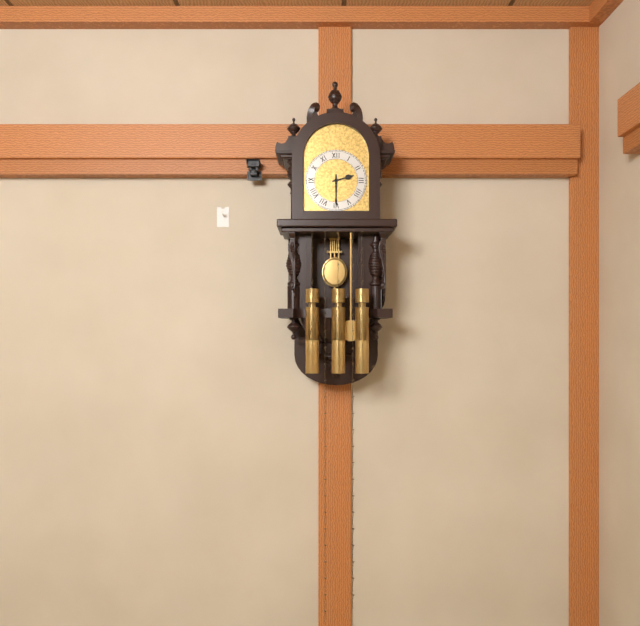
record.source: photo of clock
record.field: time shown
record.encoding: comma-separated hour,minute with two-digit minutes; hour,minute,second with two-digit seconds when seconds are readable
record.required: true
2,30
